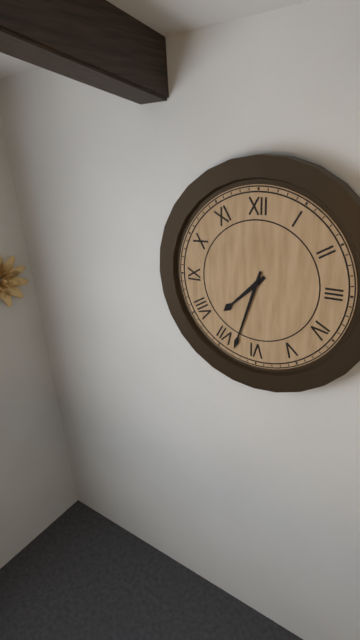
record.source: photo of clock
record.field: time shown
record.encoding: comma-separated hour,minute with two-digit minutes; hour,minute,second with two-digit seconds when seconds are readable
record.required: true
7,33
